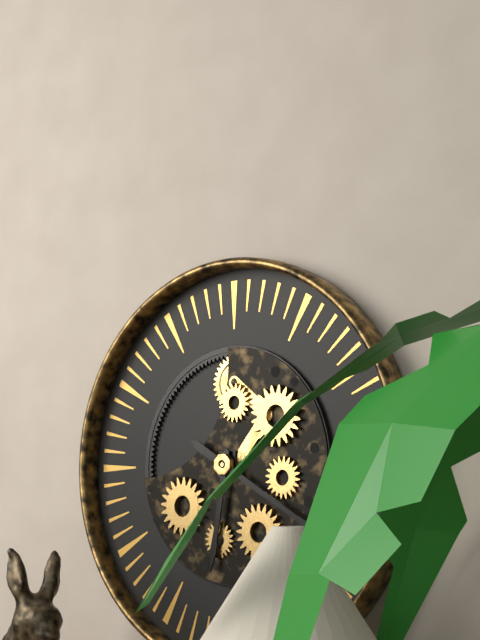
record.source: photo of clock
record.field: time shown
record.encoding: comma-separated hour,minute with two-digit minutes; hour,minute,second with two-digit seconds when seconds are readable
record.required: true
6,20
